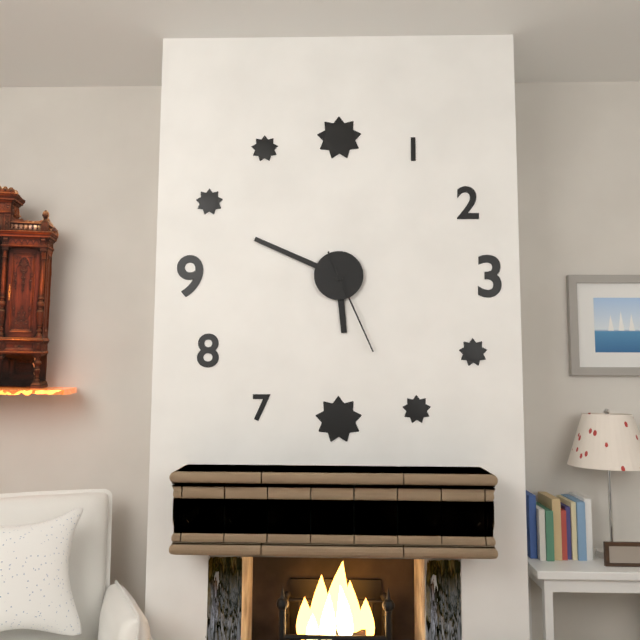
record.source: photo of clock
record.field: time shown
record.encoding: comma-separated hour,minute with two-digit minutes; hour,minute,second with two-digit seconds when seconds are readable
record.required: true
5,49,26
